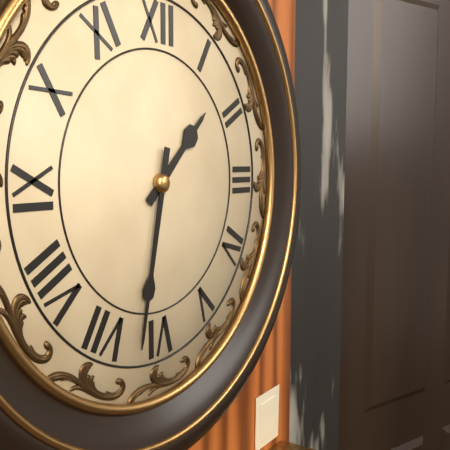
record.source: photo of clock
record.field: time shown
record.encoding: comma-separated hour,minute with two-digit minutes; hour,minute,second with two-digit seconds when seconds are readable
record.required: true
1,32
